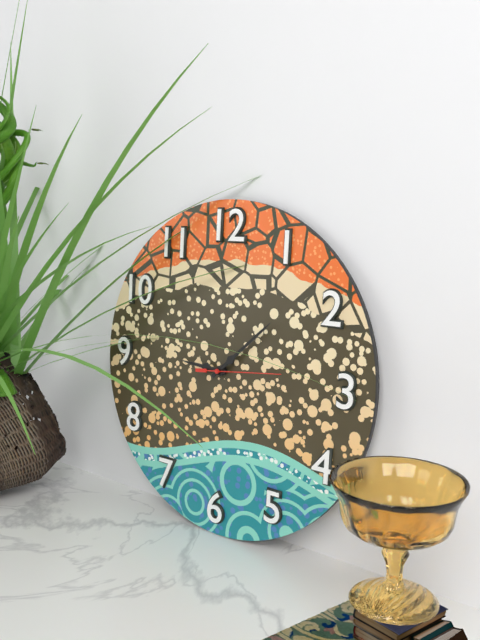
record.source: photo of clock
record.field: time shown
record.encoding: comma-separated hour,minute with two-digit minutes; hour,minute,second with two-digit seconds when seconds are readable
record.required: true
9,08,14
